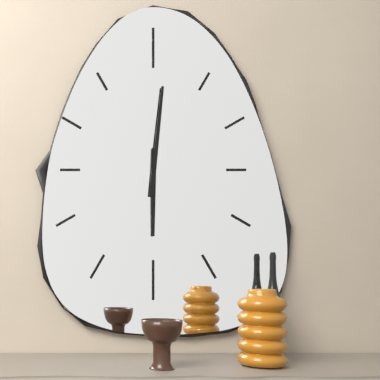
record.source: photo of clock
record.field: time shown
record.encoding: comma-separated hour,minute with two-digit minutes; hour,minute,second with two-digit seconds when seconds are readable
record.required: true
6,01
